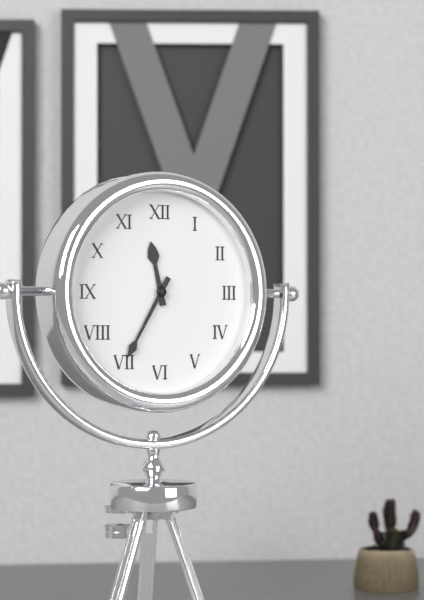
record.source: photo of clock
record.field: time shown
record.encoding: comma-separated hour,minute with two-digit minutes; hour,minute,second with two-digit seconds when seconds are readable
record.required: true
11,35
